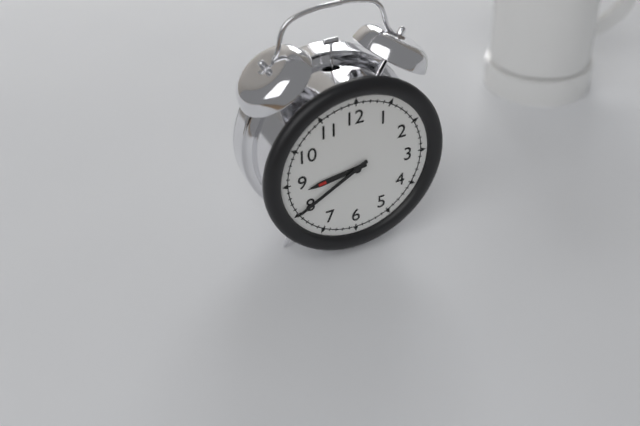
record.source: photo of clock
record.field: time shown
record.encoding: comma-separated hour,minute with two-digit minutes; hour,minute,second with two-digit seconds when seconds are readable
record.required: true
8,40
